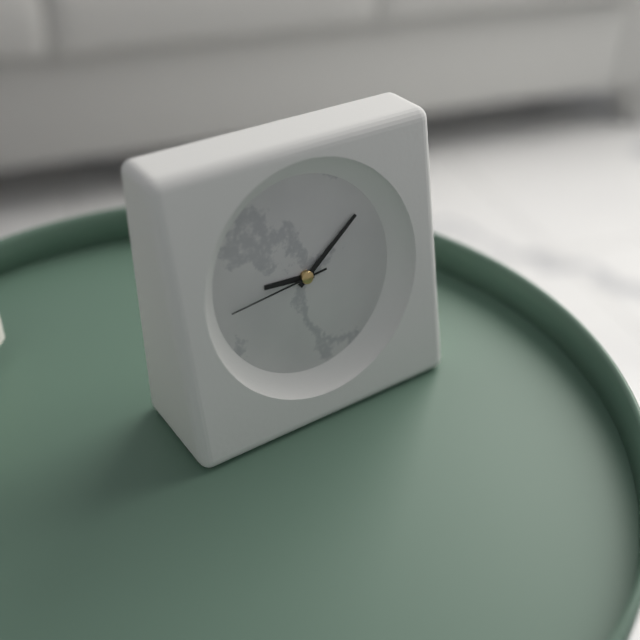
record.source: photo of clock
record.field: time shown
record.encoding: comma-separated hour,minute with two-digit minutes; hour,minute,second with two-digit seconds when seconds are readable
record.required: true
9,09,44
